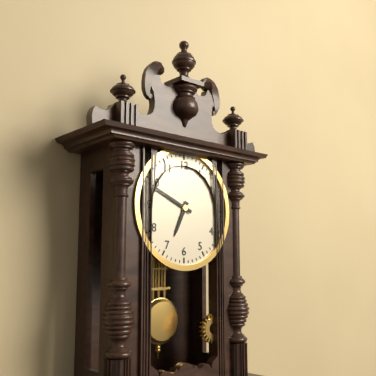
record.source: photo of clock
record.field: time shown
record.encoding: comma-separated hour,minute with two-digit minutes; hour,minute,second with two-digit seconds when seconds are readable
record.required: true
6,49
